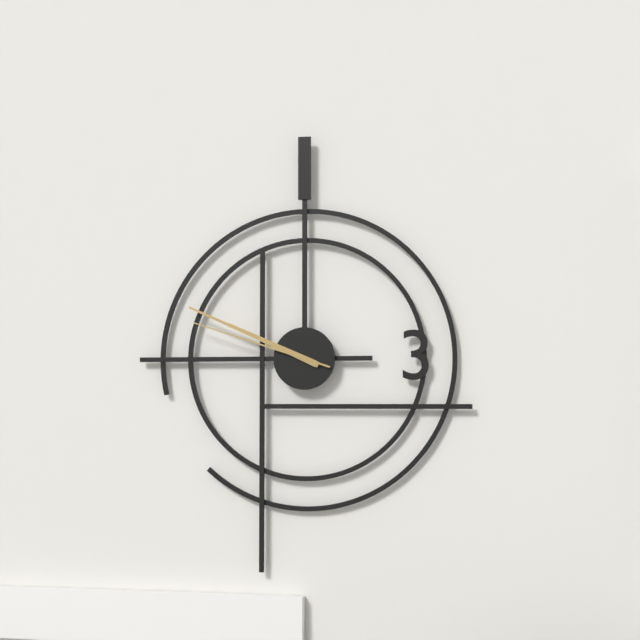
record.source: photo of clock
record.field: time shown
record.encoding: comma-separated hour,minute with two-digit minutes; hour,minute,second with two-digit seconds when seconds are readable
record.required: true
9,49,48
